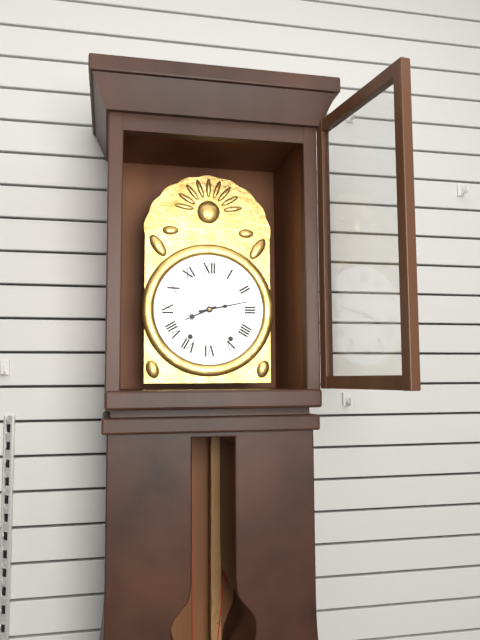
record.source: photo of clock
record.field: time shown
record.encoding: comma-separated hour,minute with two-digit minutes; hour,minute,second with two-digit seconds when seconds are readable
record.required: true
8,13
